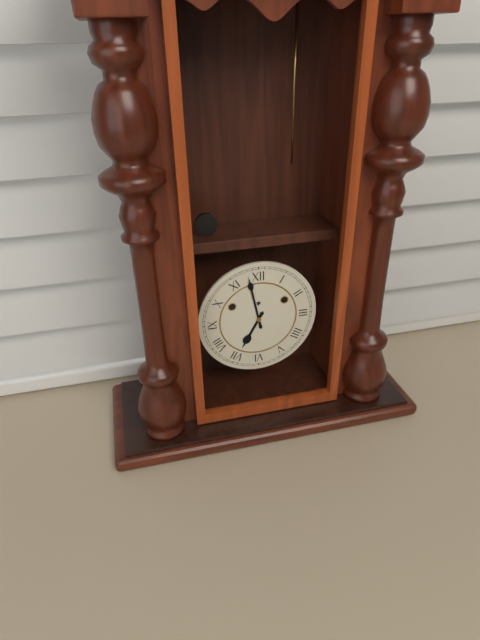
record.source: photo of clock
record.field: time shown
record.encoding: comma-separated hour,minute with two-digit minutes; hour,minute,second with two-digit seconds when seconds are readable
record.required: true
6,58
